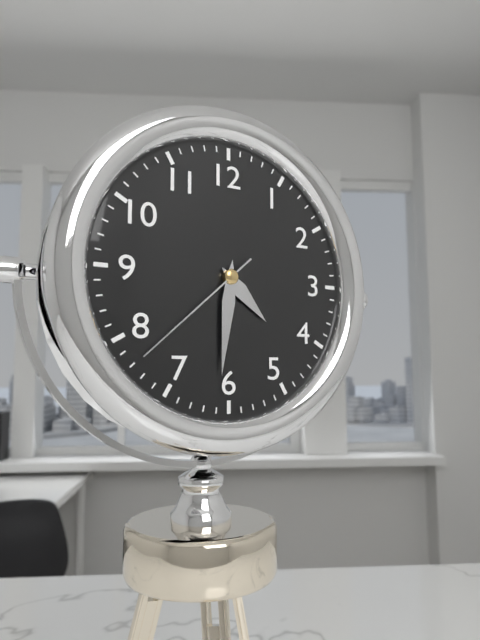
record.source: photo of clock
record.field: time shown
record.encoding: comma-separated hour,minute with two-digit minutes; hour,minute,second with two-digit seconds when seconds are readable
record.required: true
4,31,38
